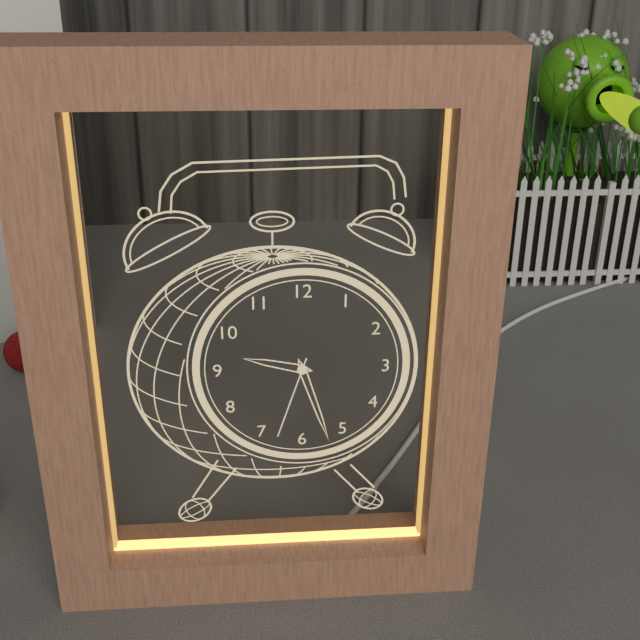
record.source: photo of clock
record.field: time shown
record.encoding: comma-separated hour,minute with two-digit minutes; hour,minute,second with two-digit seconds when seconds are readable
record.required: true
9,27,33
